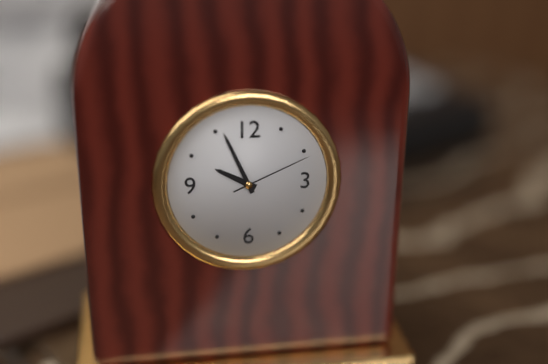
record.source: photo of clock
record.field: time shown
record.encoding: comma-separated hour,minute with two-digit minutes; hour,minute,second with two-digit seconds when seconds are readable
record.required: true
9,56,11
